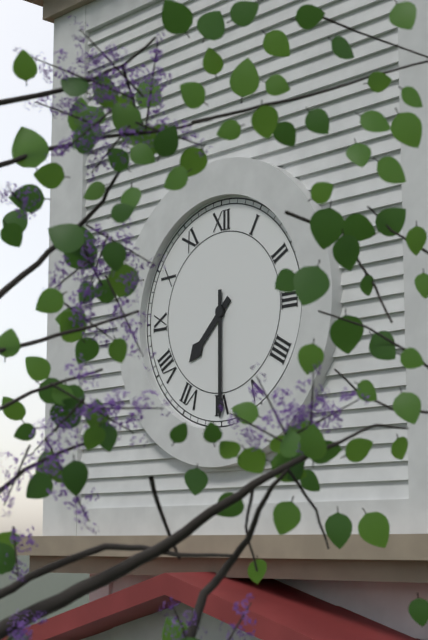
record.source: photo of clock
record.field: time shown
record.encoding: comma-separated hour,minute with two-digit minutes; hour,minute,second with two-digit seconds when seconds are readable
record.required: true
7,30
